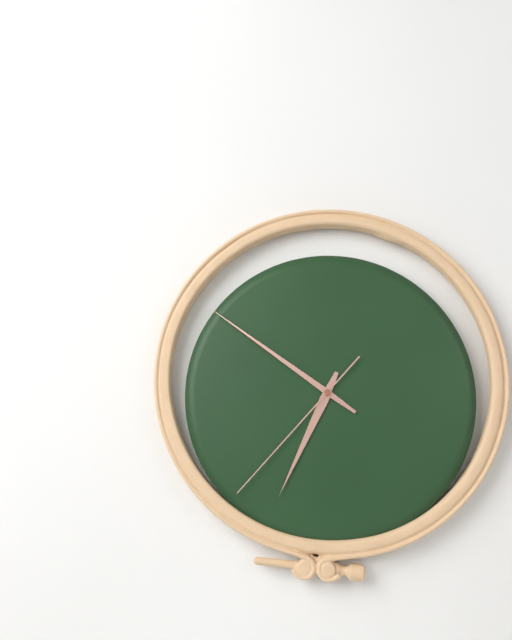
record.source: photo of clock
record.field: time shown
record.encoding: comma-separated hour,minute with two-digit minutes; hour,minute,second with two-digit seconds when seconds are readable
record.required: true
6,51,37
